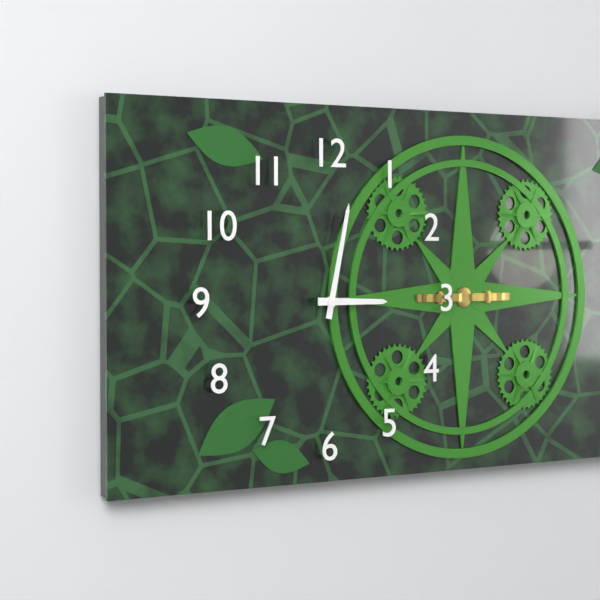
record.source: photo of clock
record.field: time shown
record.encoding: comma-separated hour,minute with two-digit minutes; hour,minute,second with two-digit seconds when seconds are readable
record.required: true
3,02
